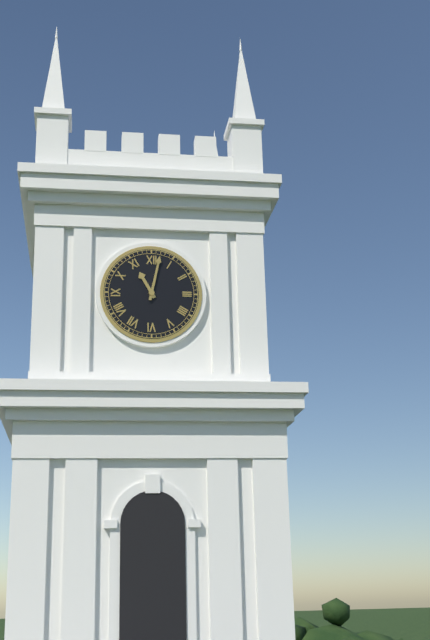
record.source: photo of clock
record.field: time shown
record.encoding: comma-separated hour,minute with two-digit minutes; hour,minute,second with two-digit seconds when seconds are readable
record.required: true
11,02
